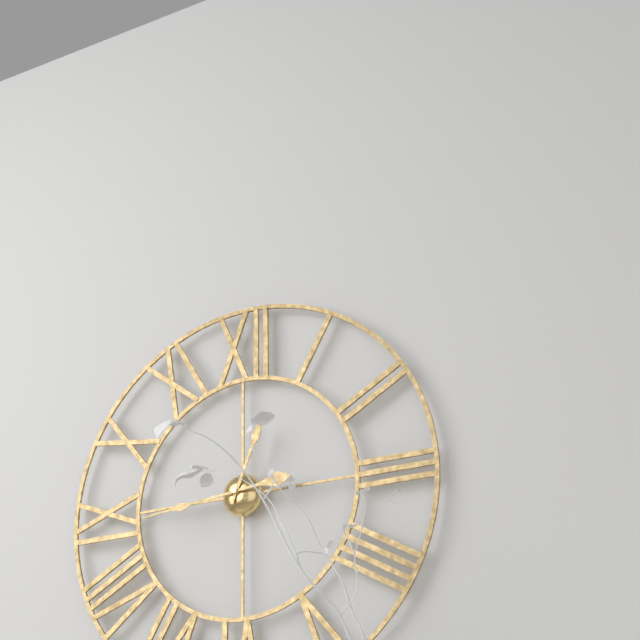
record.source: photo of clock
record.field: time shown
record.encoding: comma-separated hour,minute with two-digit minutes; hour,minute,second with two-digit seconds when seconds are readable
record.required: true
12,44
